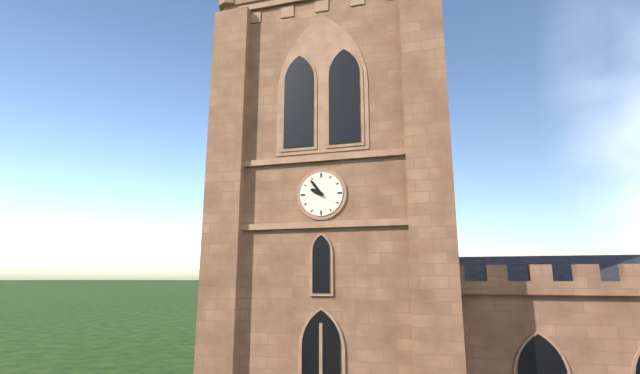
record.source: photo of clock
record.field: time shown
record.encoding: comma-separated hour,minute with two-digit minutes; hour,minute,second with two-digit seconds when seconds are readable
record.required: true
9,54
